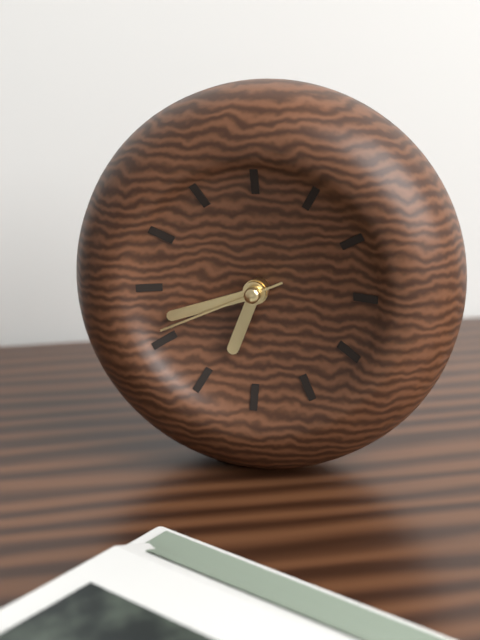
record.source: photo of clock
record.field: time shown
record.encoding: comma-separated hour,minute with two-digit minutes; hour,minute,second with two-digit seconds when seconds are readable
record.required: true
6,42,41
